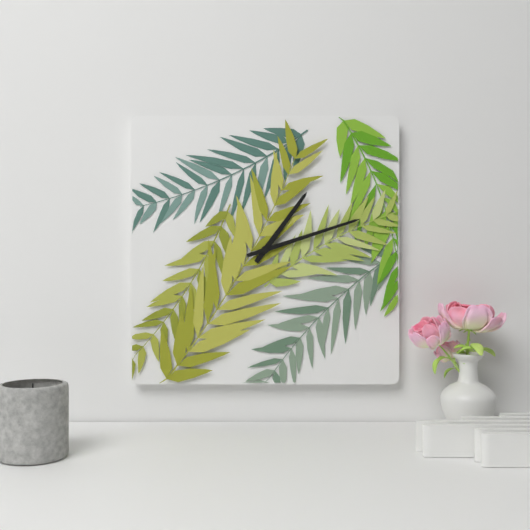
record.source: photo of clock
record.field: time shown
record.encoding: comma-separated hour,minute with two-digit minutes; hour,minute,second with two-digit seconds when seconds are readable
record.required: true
1,12
